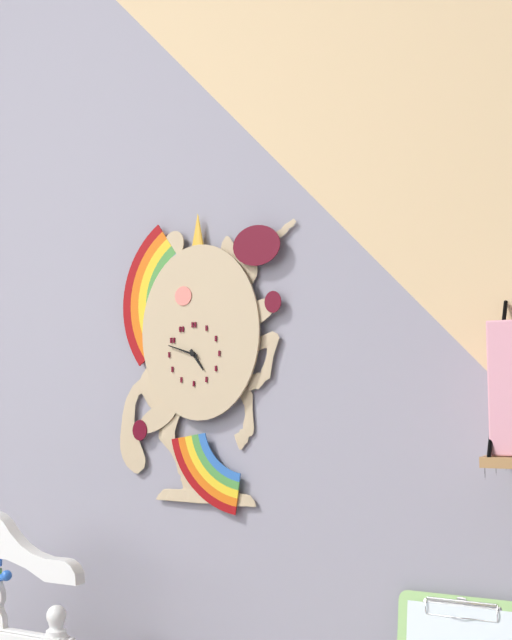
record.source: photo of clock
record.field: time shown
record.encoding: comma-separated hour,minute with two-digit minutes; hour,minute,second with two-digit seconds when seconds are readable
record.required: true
4,48
